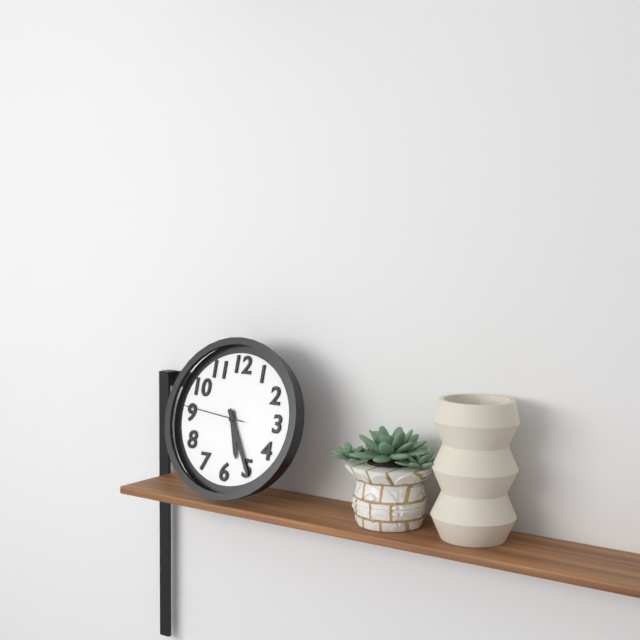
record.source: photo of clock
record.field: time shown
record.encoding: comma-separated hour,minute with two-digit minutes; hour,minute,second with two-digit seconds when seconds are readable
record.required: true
5,25,46
